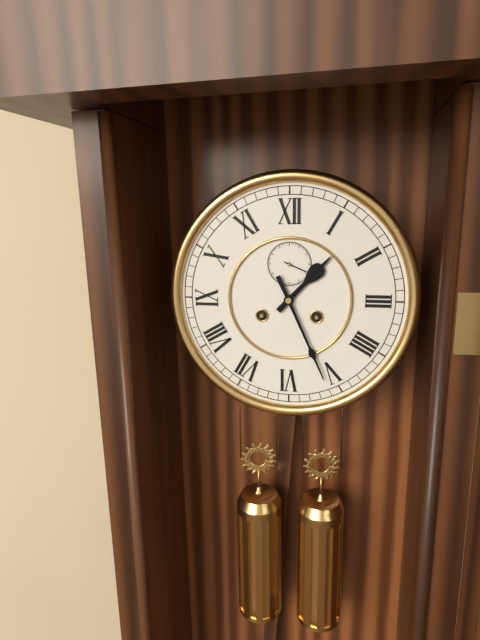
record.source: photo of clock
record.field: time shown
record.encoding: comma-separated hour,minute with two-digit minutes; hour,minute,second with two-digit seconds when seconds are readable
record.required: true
1,26
